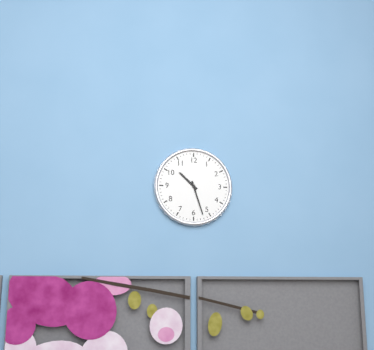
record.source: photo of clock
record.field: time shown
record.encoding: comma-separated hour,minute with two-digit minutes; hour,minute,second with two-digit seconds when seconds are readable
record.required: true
10,27
